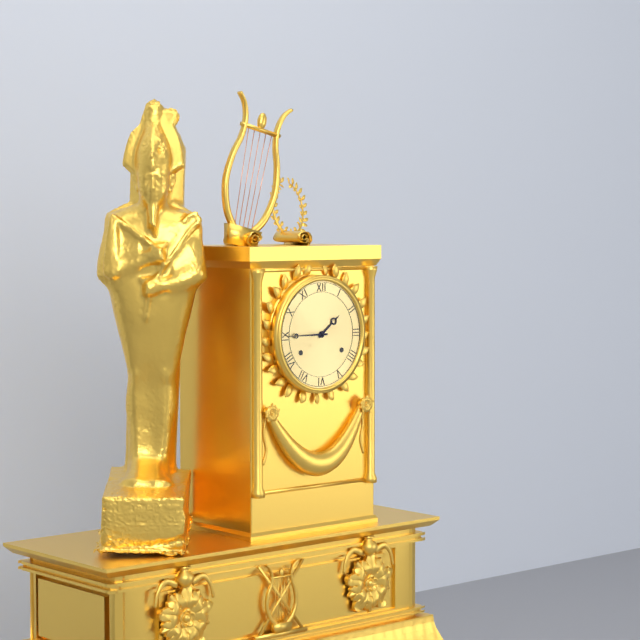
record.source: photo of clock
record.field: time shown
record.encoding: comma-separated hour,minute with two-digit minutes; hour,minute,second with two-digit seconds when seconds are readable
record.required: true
1,45
